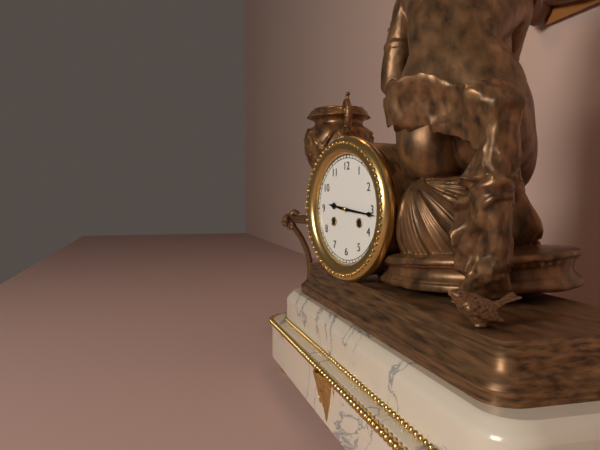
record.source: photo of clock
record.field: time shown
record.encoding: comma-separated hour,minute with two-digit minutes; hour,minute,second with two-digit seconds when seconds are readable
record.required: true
9,16
